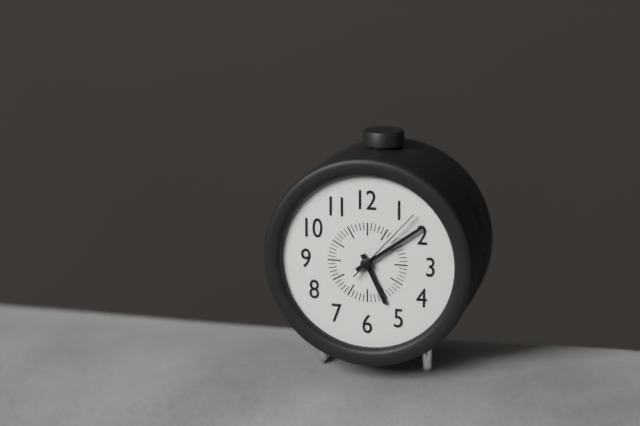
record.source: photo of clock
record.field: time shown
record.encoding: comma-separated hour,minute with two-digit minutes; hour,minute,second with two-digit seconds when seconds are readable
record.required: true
5,09,07
